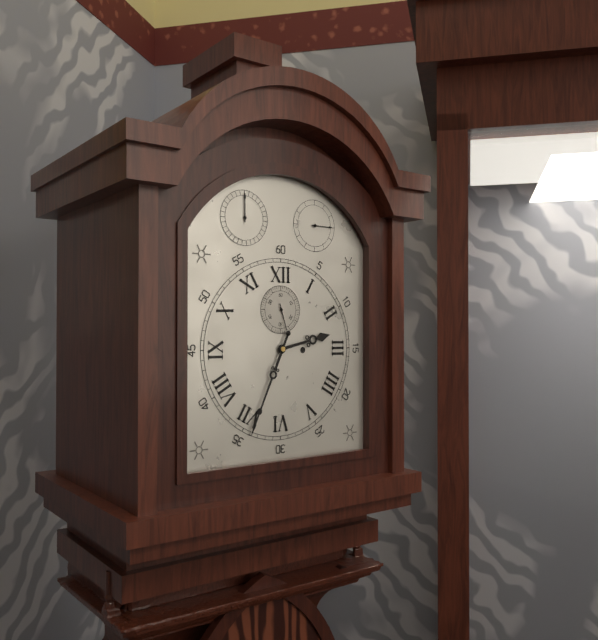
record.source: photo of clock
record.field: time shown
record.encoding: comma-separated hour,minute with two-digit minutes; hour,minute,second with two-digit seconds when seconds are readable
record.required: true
2,34
